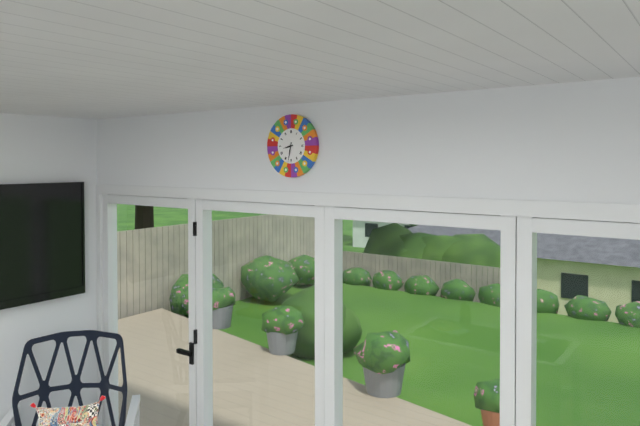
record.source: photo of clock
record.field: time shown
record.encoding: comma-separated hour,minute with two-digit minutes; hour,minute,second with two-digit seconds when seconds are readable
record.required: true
8,32
